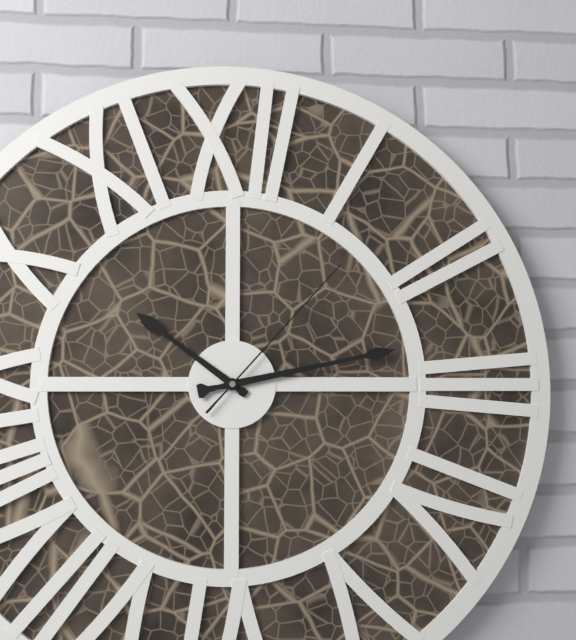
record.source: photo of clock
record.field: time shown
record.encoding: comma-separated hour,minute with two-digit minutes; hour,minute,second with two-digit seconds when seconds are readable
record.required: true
10,13,07
